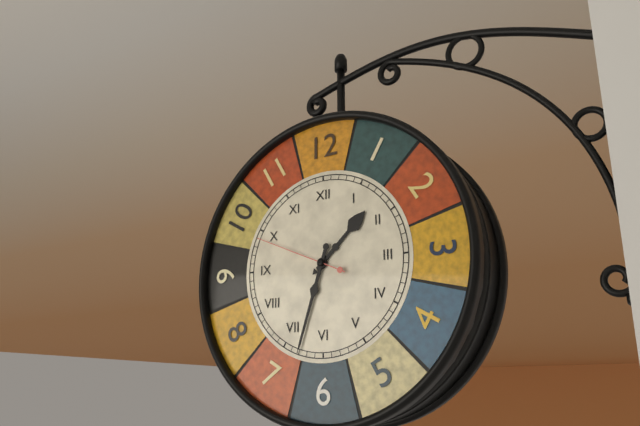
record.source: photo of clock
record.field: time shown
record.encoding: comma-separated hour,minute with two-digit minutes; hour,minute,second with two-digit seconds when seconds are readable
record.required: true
1,33,49
